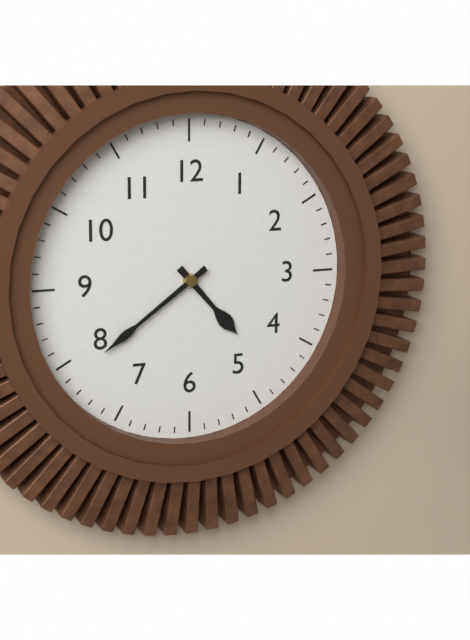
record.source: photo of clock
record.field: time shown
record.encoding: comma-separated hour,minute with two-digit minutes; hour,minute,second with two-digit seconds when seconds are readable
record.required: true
4,39
